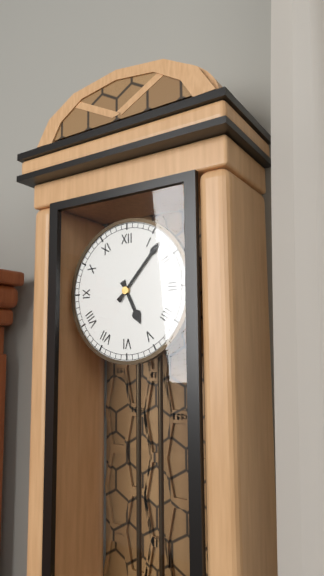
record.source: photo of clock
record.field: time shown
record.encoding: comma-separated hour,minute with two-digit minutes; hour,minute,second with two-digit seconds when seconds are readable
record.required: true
5,07
